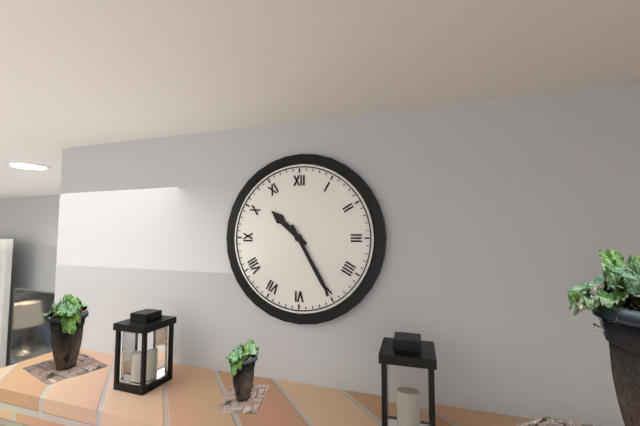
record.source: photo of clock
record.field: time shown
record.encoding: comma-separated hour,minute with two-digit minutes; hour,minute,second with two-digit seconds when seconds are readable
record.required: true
10,25
